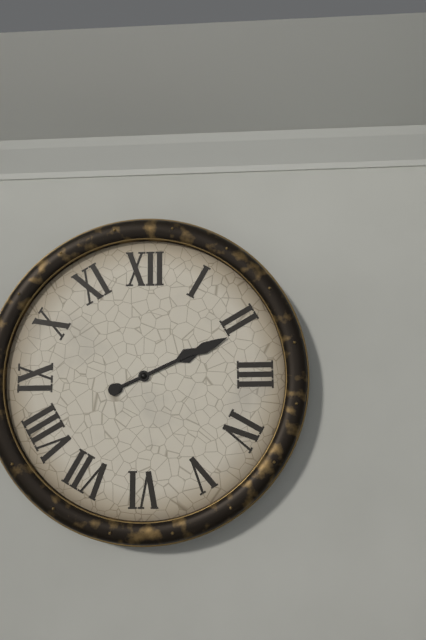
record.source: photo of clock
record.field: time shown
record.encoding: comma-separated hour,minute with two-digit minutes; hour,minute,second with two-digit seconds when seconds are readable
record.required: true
2,11
